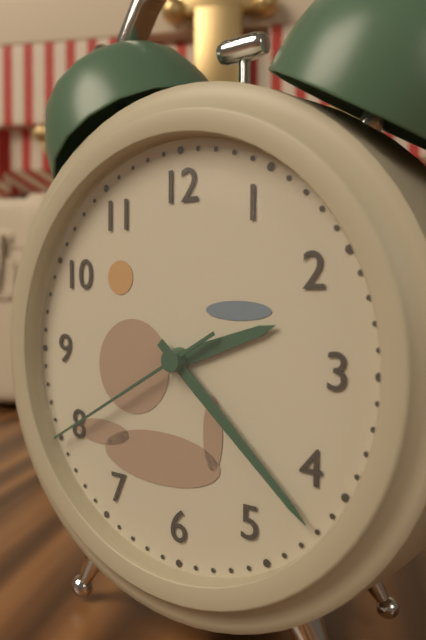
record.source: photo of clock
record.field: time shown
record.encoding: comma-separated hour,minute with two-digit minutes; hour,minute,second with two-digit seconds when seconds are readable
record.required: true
2,22,40
